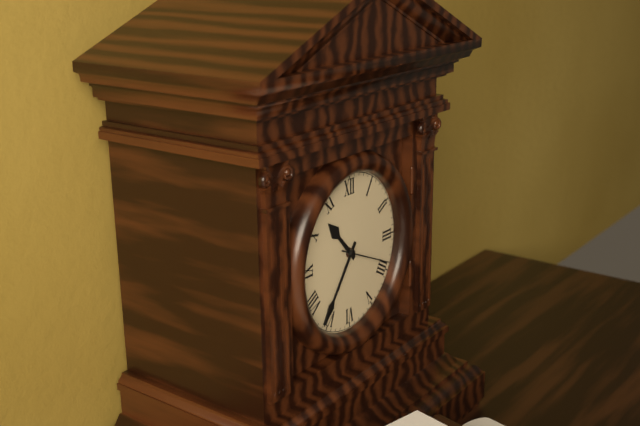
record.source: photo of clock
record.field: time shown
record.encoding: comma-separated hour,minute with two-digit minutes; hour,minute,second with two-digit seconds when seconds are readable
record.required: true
10,36
